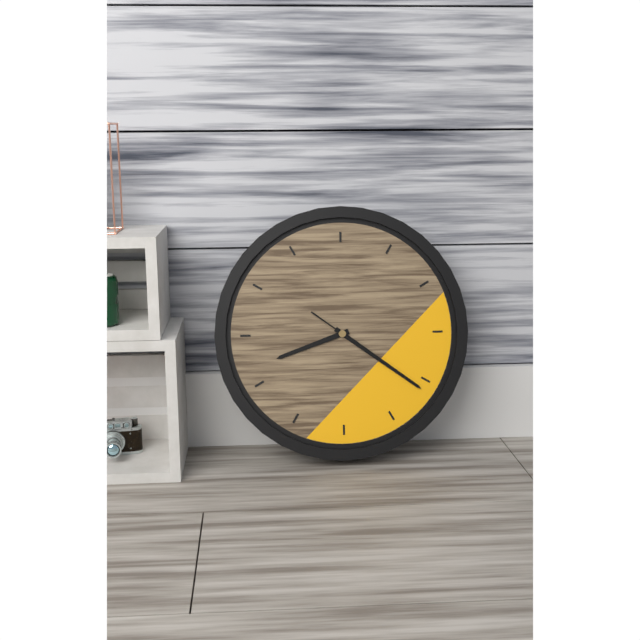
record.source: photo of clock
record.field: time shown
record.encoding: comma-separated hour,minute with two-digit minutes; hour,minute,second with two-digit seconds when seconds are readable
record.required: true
8,21,21
